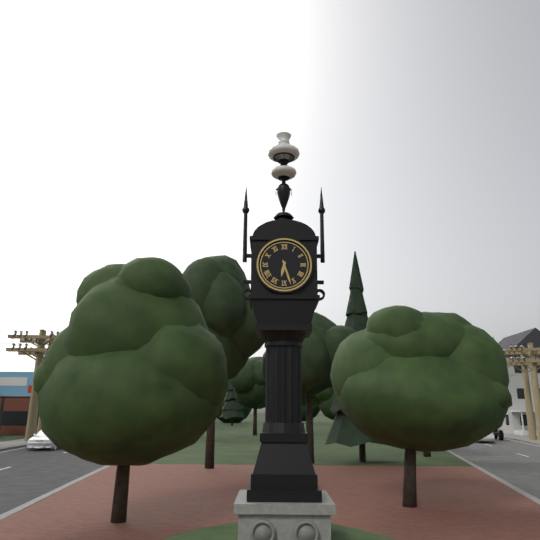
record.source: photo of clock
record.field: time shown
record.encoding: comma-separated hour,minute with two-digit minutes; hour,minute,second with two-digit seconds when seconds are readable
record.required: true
6,27
